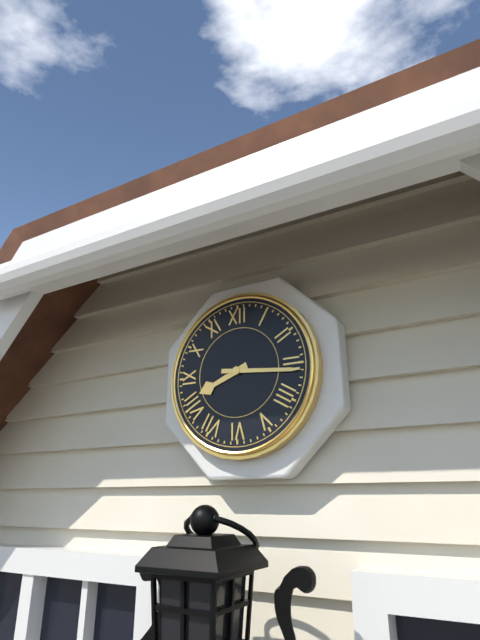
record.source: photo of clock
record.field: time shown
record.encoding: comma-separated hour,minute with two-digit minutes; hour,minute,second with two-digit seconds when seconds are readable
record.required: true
8,16
